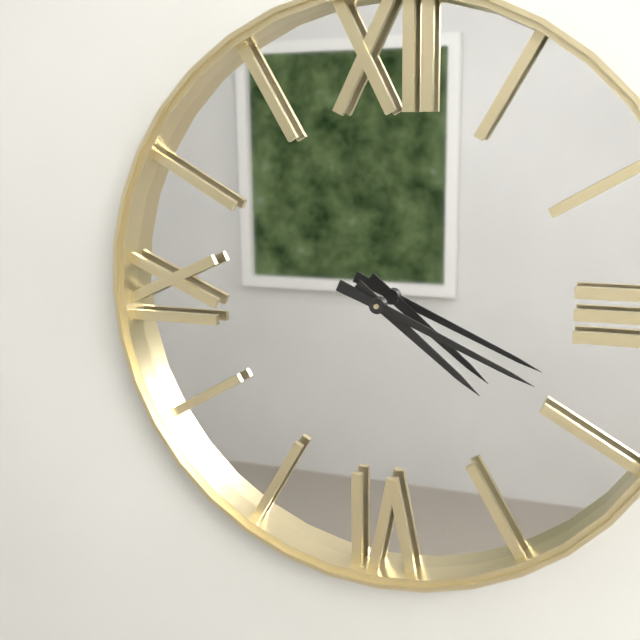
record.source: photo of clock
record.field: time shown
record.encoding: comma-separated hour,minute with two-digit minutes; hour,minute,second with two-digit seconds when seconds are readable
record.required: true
4,19
